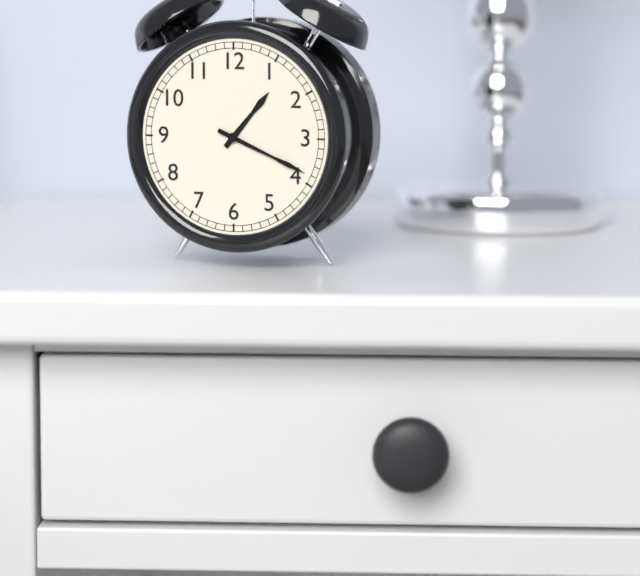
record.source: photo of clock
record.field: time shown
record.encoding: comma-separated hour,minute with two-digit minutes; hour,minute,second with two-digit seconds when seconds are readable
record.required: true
1,19
